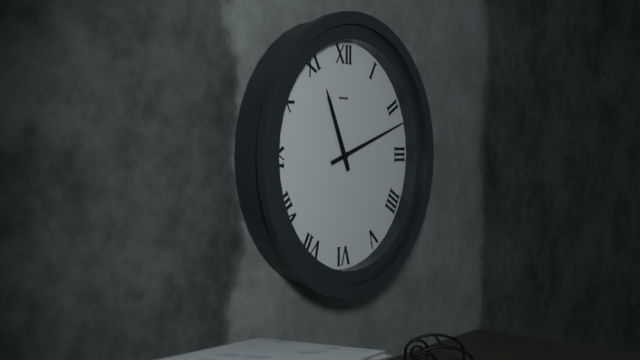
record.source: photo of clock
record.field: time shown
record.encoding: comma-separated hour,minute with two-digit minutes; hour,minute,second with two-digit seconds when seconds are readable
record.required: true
11,12
